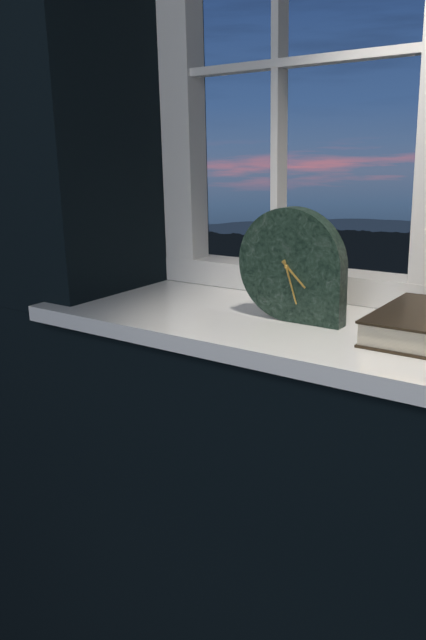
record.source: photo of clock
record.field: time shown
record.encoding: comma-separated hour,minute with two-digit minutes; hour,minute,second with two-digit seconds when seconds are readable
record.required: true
4,27
